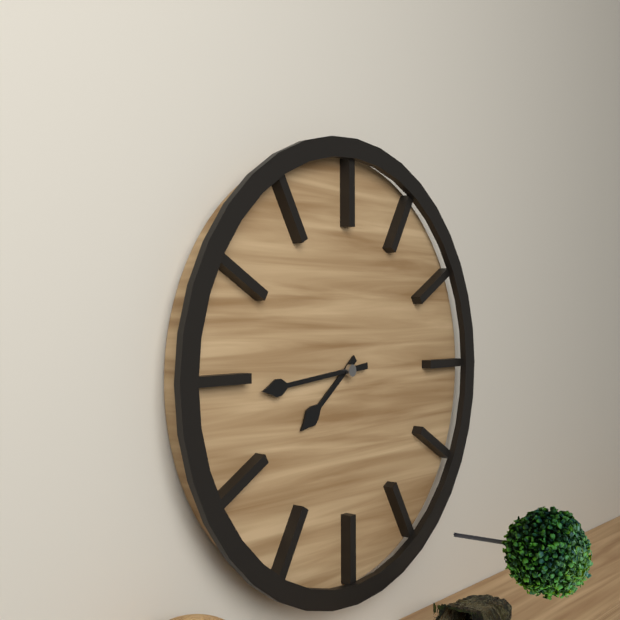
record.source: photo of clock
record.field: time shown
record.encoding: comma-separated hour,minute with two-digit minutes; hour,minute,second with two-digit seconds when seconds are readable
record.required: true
7,44
